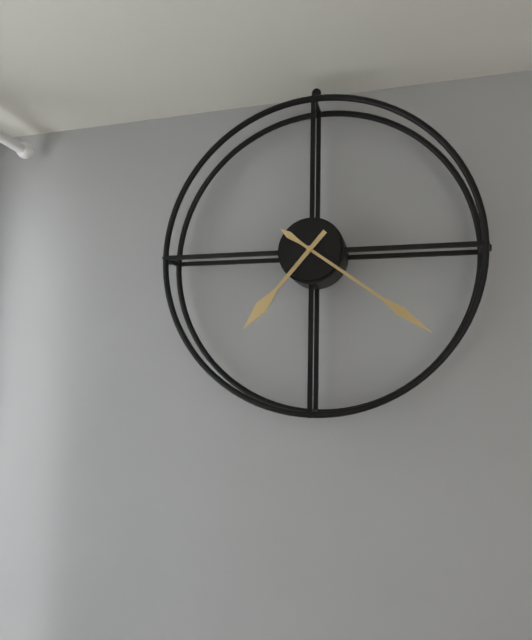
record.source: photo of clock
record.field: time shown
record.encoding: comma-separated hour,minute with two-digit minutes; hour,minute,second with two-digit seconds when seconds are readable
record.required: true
7,21
